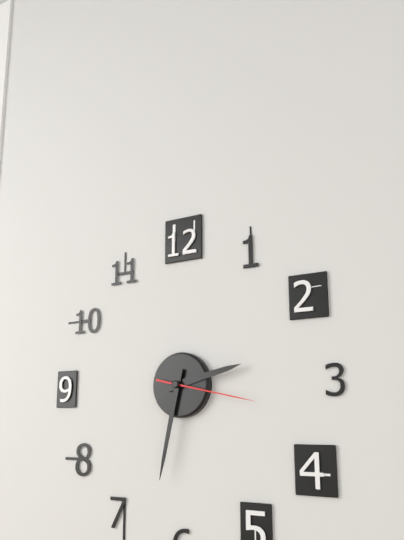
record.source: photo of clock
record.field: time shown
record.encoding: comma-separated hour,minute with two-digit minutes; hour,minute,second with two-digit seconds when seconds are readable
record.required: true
2,32,17
